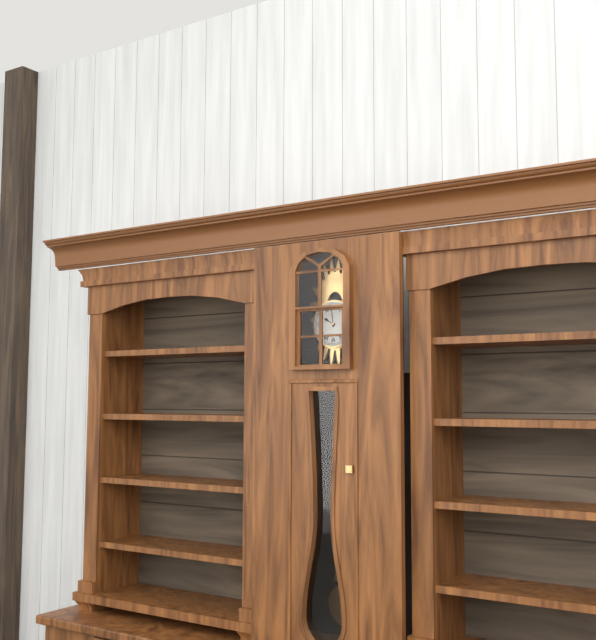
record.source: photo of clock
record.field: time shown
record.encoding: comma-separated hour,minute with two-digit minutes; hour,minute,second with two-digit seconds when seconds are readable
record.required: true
9,59
